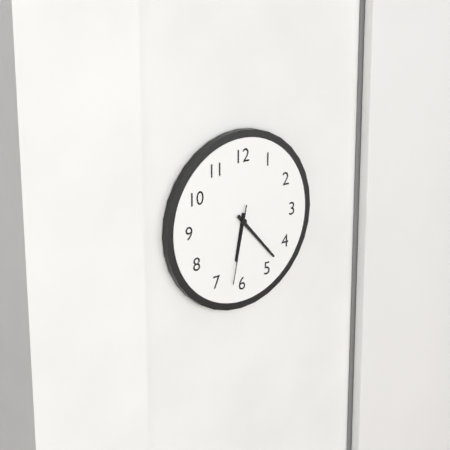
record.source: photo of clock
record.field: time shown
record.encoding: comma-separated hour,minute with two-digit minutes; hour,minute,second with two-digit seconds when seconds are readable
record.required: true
6,23,32
